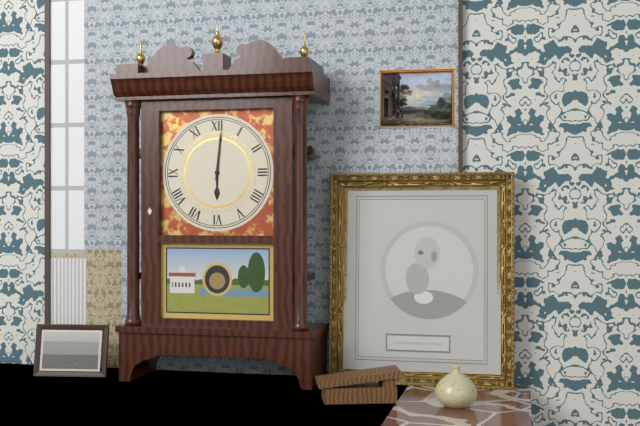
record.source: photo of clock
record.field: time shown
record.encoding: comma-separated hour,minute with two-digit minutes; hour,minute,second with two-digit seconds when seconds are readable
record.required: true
6,01
